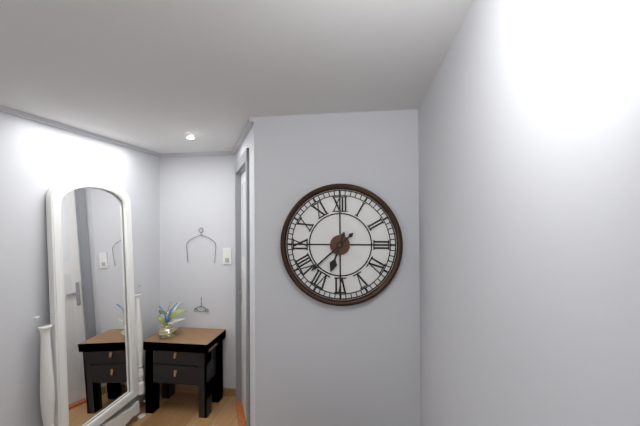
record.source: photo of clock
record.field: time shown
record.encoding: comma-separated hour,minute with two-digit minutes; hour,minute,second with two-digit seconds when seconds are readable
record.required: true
6,38
